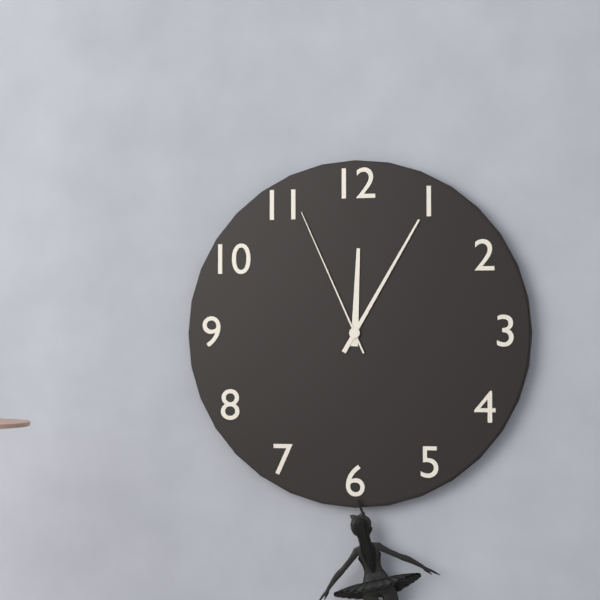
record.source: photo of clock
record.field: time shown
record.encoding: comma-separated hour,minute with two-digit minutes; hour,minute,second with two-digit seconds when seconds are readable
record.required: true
12,05,56
